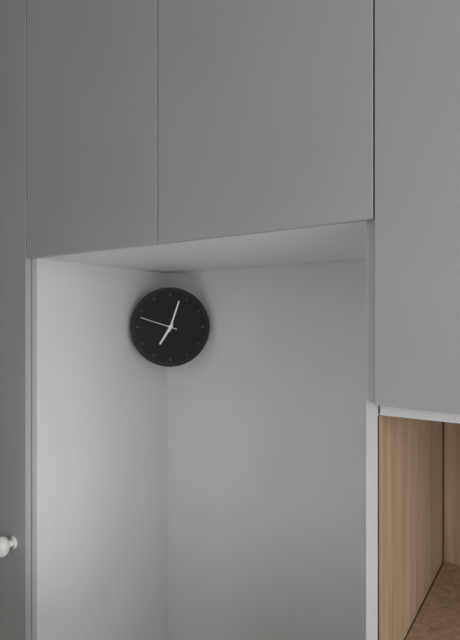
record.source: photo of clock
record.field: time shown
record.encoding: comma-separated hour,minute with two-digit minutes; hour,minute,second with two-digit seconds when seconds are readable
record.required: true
7,03
